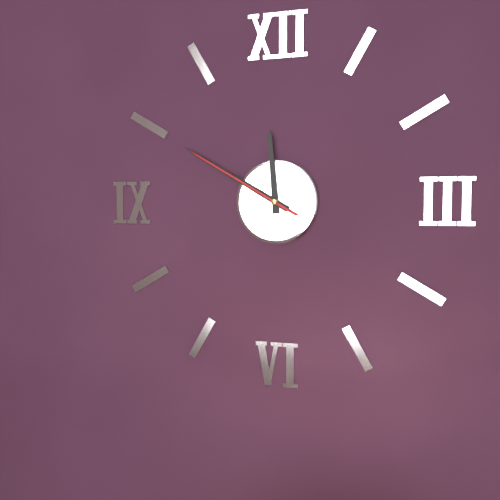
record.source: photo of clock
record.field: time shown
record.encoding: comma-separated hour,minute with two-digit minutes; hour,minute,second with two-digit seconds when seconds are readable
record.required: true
11,50,50
